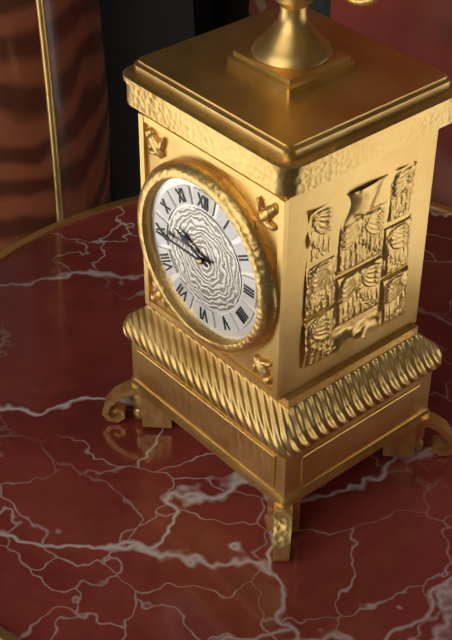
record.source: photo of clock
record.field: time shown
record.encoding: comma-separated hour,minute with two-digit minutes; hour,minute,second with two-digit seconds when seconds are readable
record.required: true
9,45
